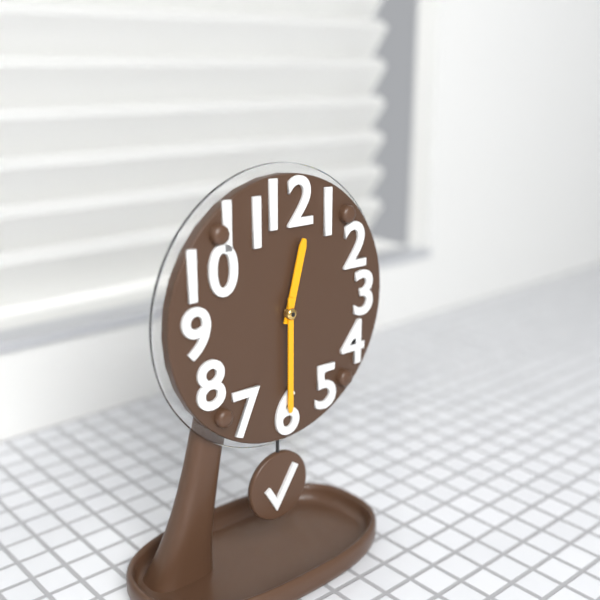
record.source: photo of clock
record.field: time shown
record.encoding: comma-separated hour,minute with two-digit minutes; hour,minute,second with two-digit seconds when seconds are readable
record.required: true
12,30
